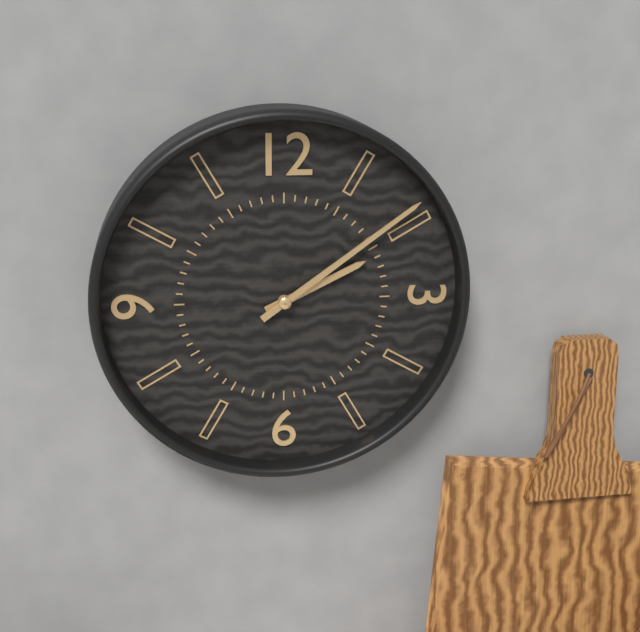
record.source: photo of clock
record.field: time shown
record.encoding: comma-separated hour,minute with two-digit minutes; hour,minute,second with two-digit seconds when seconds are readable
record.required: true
2,09
